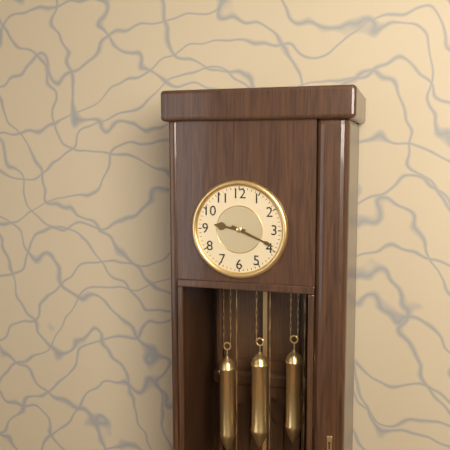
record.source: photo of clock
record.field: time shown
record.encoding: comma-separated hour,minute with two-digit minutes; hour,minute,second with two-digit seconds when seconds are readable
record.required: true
9,19
